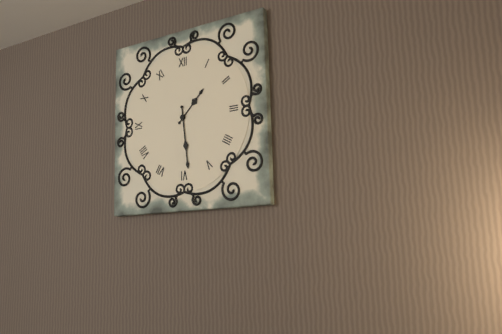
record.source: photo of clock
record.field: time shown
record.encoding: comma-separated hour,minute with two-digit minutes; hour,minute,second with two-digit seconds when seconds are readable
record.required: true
1,29
